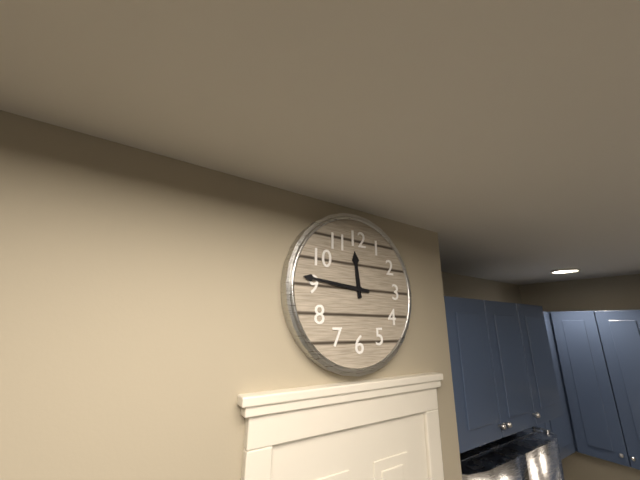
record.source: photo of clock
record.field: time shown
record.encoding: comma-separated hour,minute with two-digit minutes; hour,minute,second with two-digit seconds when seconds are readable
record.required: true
11,46
